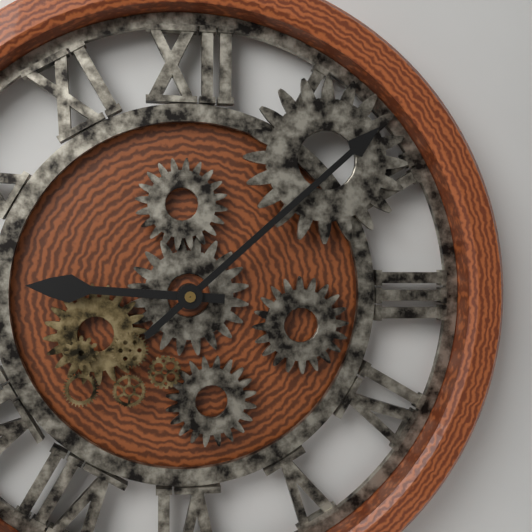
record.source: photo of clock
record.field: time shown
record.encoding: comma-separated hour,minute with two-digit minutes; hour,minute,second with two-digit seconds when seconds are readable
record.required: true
9,08
